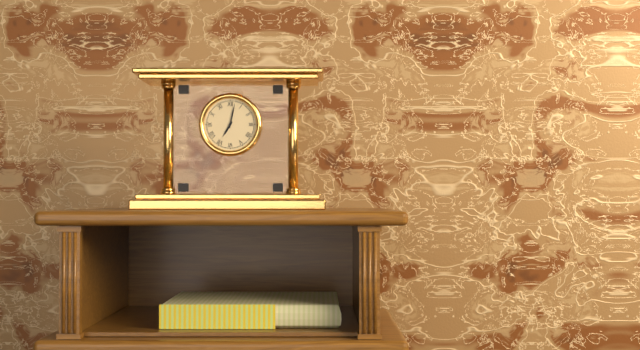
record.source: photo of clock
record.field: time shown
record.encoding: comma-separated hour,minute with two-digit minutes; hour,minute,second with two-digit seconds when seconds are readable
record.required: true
7,02
